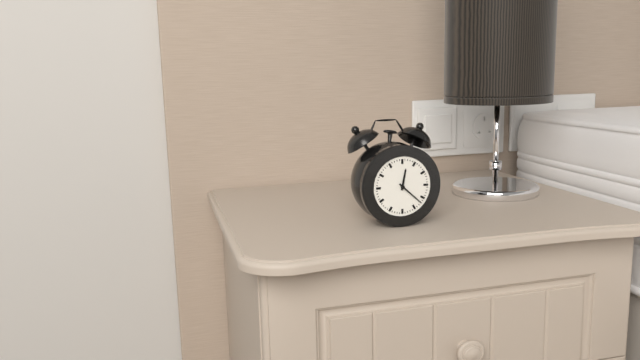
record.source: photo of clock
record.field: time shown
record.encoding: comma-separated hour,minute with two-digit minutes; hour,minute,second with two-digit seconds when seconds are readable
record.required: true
12,22
